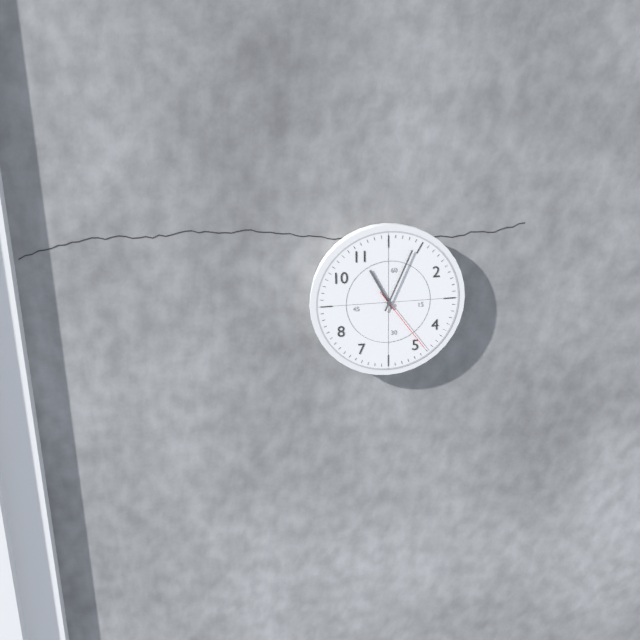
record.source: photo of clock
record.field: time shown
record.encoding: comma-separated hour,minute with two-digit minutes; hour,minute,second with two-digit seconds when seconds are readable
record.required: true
11,04,24
